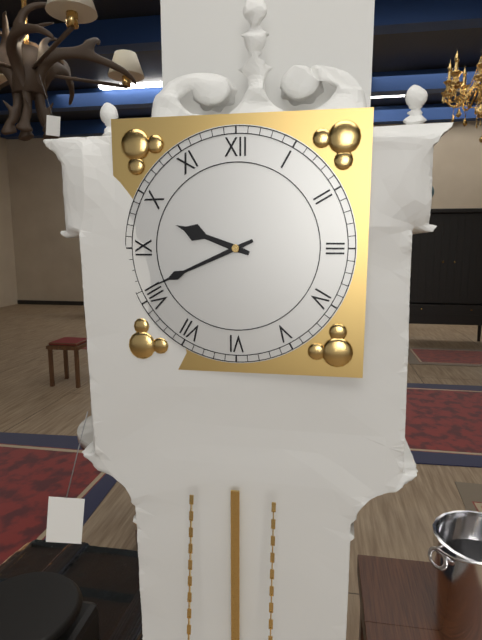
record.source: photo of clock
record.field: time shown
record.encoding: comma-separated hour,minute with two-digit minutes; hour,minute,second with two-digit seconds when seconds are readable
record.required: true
9,41
